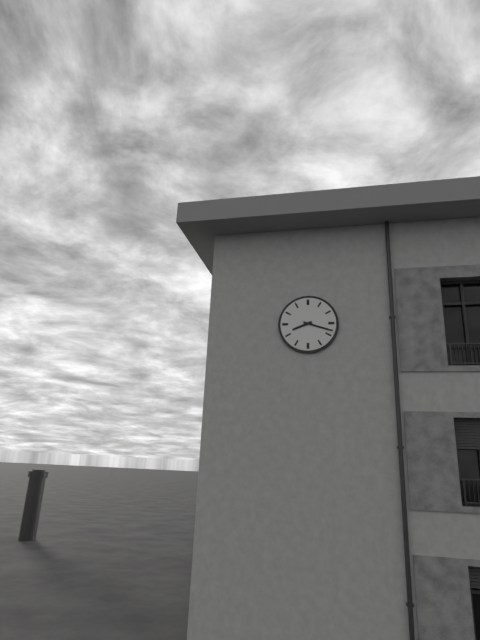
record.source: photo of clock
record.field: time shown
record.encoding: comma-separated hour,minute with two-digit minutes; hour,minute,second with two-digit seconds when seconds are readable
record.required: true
8,18
